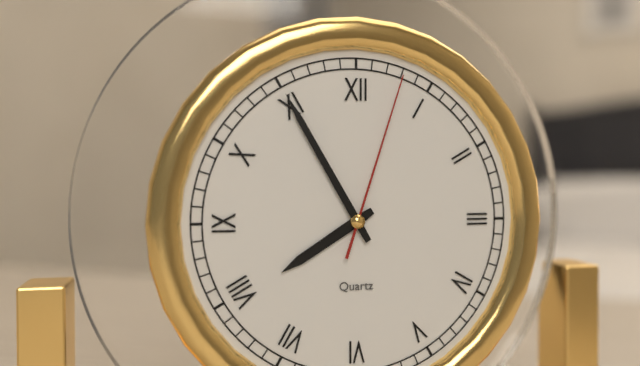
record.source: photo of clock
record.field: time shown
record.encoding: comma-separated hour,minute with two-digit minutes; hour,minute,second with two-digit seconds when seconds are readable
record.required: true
7,55,03
